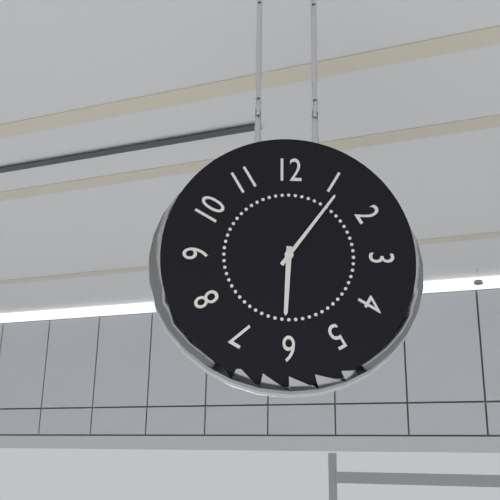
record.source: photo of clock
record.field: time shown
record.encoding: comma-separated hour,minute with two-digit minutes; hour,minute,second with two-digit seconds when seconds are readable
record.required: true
6,06
